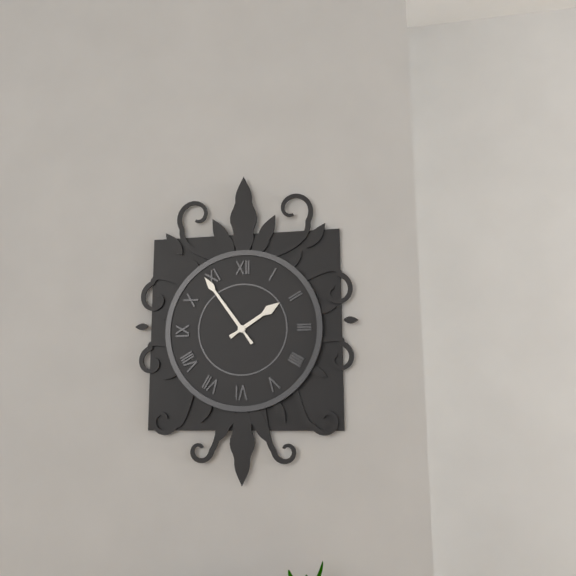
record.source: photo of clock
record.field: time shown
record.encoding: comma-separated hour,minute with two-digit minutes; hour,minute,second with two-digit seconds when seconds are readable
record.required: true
1,54
